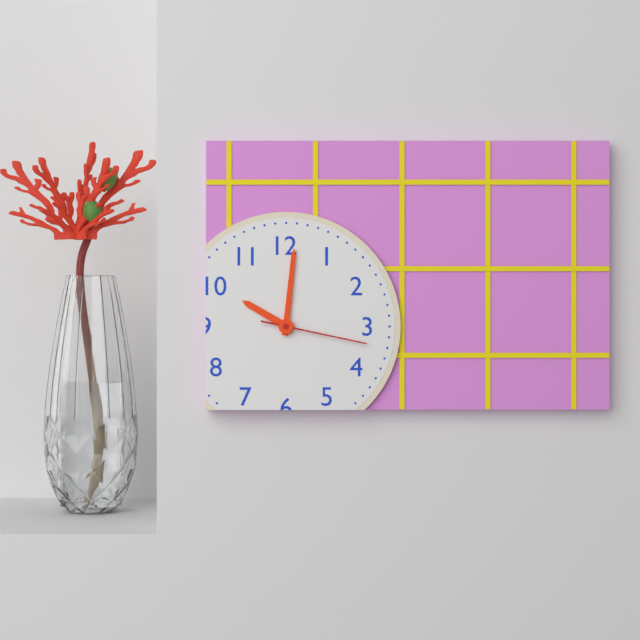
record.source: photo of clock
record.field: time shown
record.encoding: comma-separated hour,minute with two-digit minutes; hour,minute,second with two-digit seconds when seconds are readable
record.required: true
10,01,17
